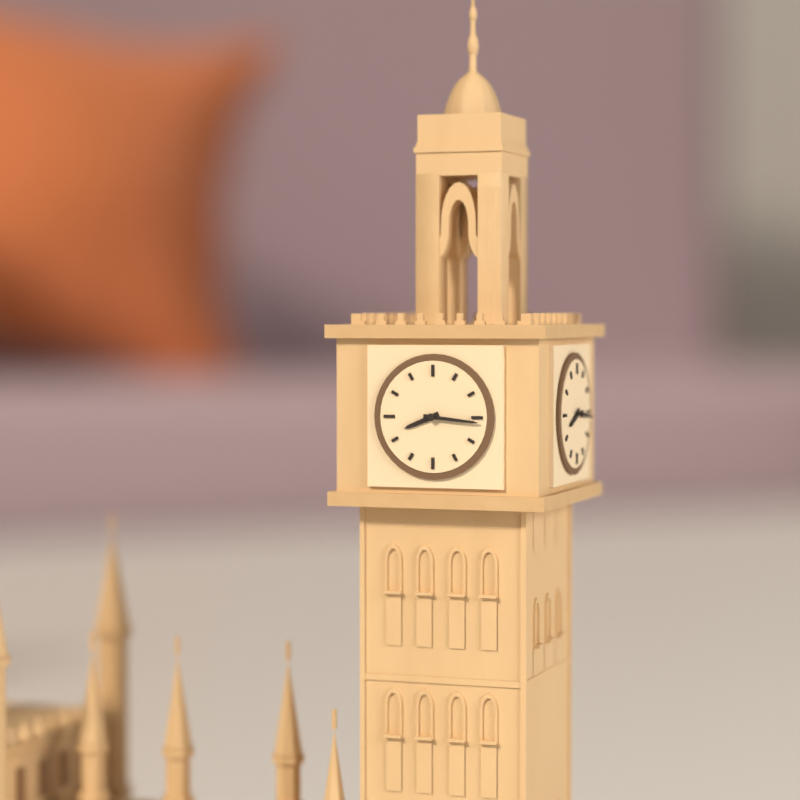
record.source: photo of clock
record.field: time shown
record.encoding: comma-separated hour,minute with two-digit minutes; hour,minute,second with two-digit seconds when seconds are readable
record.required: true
8,16
